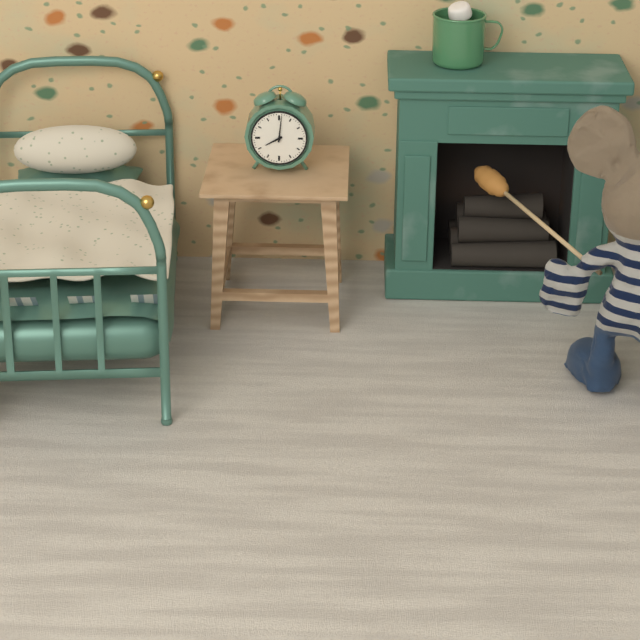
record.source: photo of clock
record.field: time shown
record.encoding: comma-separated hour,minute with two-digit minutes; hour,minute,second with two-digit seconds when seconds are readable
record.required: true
8,01
